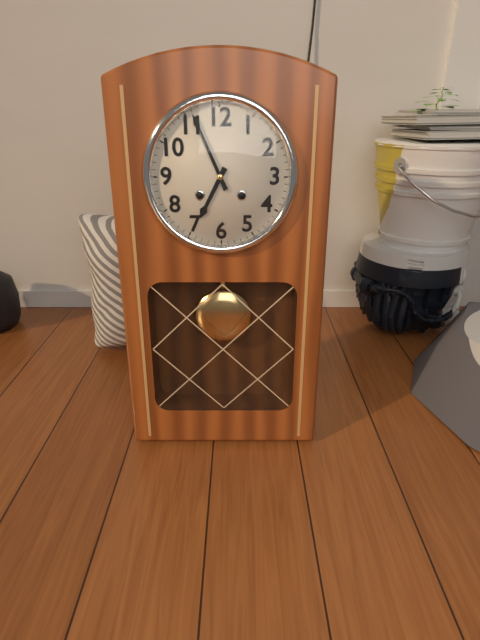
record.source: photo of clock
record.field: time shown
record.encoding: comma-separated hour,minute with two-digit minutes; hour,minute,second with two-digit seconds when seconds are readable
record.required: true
6,56
